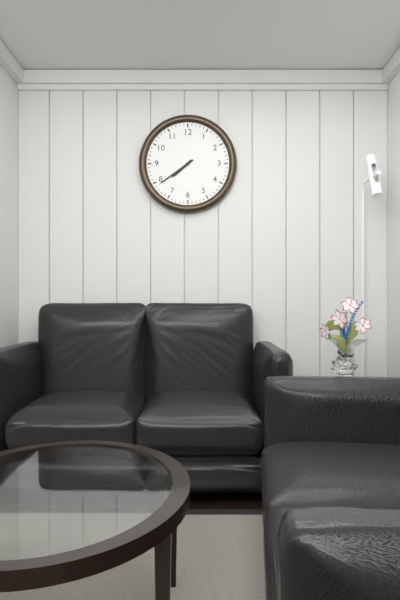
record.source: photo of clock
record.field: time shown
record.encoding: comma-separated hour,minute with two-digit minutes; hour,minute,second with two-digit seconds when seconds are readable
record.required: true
7,39
